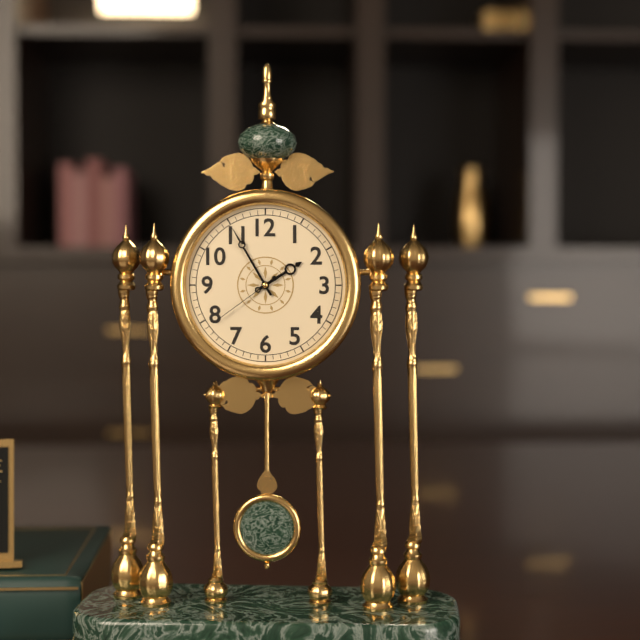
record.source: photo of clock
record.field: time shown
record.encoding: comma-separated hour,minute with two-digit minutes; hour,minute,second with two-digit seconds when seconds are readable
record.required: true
1,55,39
